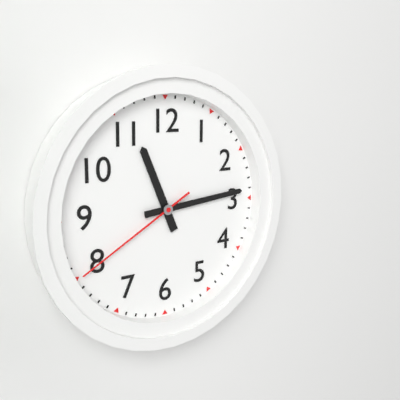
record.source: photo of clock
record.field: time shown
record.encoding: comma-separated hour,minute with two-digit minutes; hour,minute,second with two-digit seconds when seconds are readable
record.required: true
11,14,40
